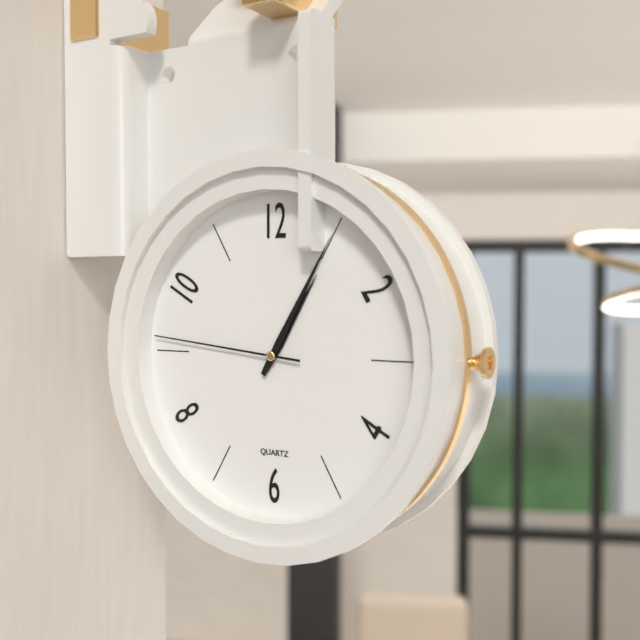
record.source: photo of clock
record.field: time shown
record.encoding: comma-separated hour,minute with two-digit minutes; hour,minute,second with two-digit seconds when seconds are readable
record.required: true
1,05,46
